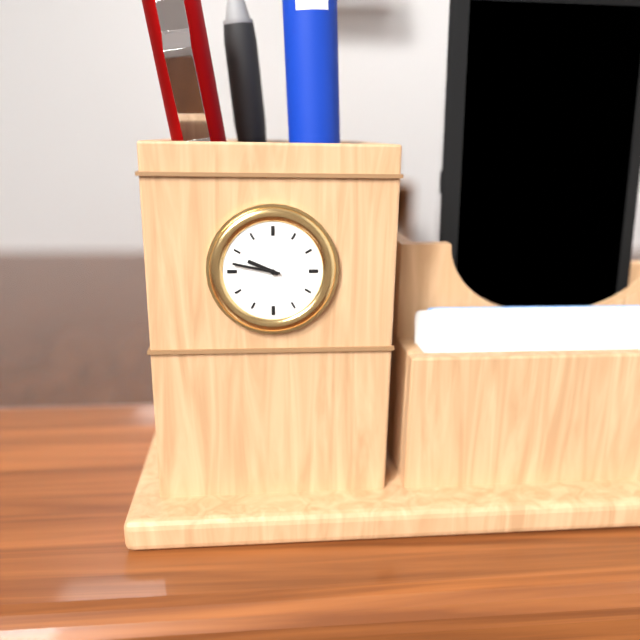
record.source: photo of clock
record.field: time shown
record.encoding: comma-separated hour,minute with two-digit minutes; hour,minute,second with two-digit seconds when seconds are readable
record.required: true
9,47
